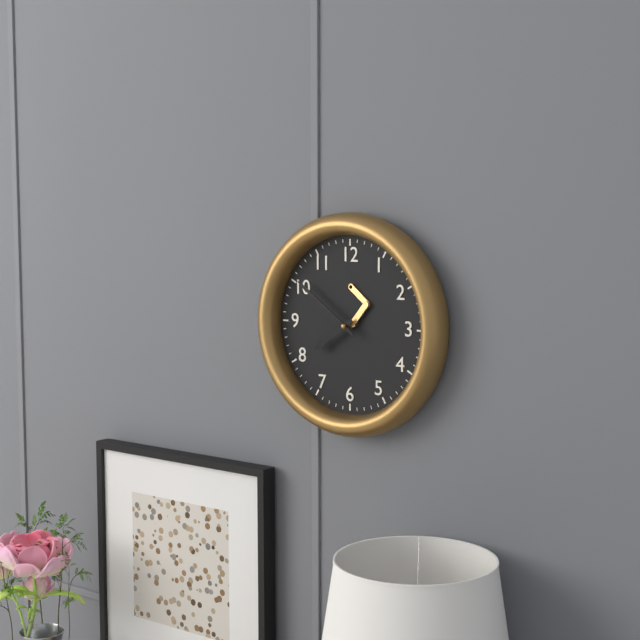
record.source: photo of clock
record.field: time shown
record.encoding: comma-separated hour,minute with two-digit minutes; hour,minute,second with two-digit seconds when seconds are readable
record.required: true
7,51
